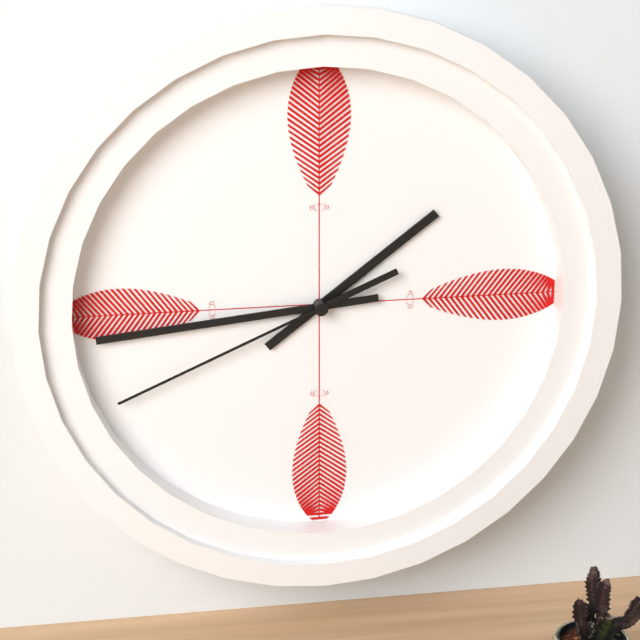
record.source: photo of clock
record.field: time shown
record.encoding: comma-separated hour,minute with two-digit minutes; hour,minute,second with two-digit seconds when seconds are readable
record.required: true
1,44,41
